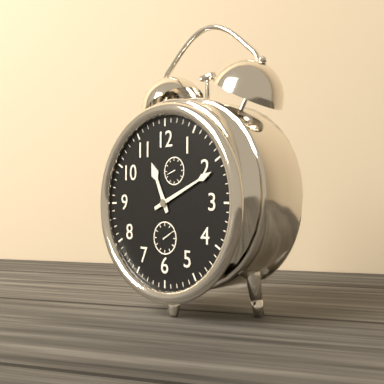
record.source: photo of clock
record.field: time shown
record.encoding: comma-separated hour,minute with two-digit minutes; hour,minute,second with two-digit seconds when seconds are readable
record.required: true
11,11
